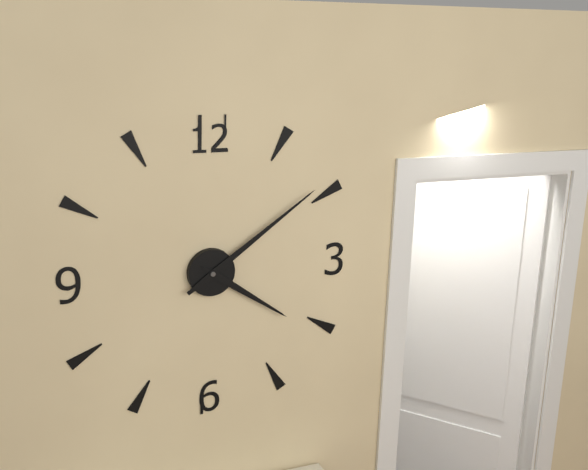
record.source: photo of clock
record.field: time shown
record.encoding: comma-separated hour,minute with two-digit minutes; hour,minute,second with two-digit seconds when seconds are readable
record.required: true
4,09
